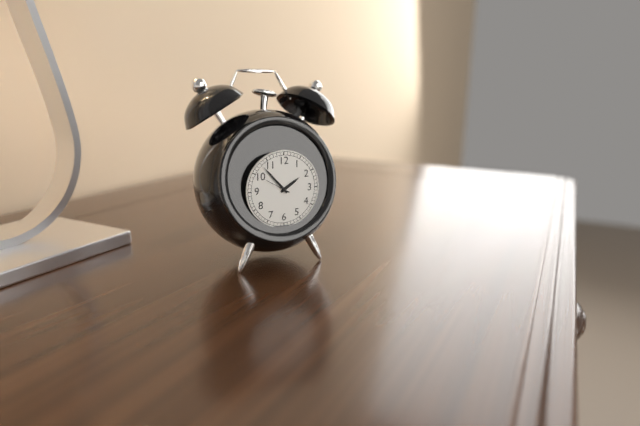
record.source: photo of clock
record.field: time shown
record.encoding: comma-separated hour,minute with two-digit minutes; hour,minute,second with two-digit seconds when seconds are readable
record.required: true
1,53
